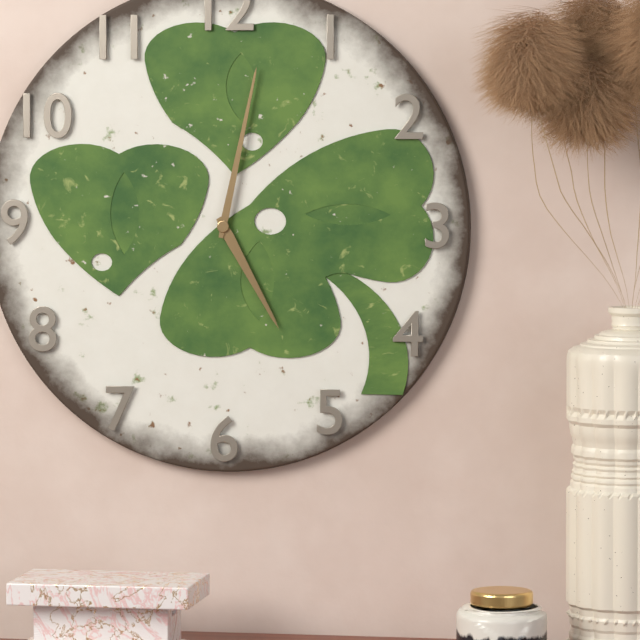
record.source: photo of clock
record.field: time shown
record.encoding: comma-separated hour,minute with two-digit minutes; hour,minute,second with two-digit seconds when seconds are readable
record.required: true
5,02
